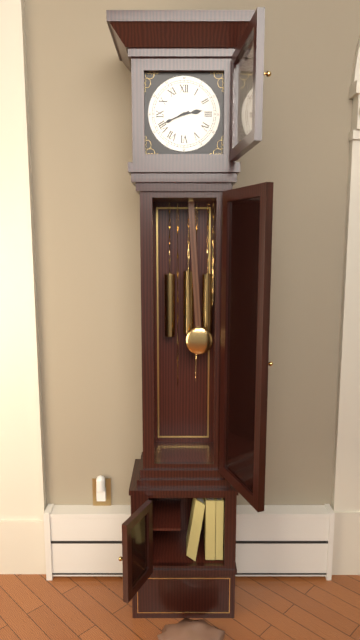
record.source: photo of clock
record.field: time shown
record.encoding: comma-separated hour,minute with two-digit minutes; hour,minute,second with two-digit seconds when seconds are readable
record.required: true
2,41
